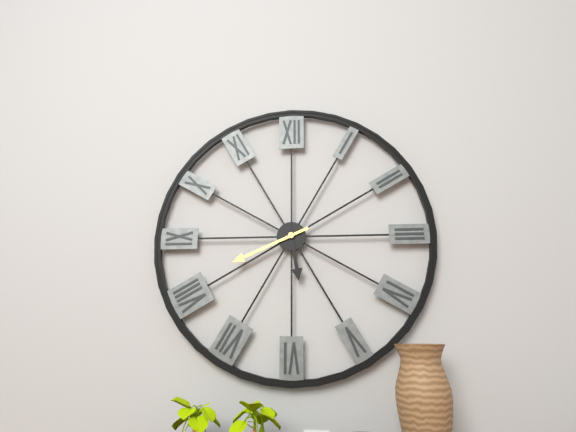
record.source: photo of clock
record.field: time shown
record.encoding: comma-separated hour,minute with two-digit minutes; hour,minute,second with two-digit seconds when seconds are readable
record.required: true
5,41
